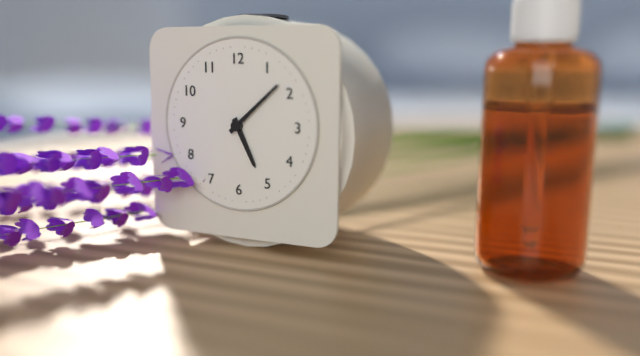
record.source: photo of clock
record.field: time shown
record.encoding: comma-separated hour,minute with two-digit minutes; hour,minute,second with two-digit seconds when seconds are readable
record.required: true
5,08
